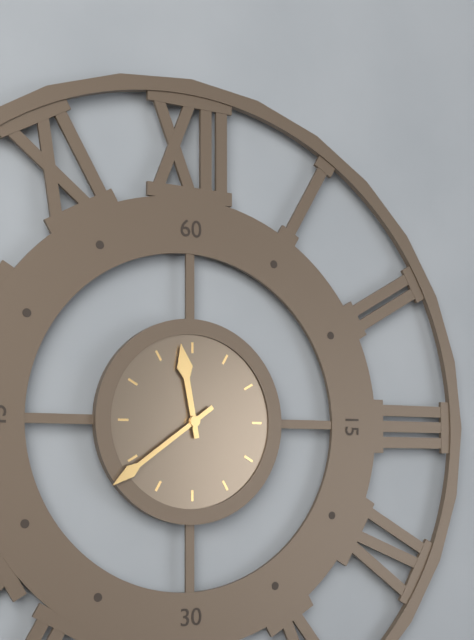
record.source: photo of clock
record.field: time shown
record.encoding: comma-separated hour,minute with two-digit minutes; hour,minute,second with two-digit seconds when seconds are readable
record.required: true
11,39
